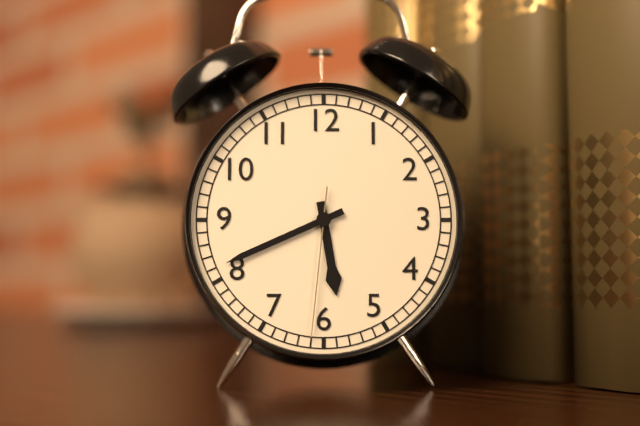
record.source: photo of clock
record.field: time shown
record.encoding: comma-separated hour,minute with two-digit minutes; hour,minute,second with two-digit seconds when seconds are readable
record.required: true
5,41,31
